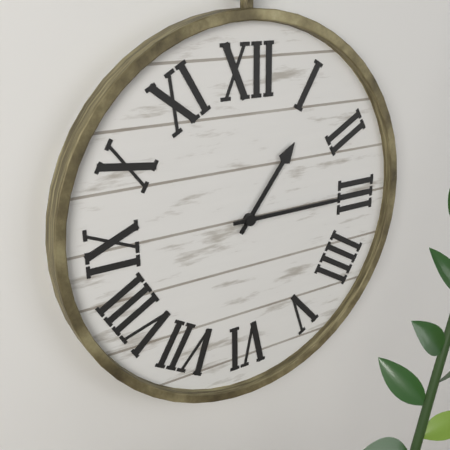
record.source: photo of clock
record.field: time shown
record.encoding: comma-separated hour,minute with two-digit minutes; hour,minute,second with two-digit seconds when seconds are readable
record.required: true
1,15
